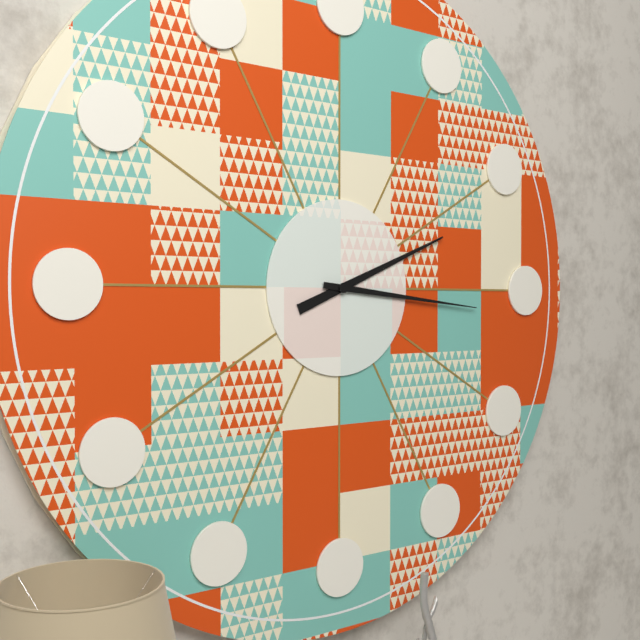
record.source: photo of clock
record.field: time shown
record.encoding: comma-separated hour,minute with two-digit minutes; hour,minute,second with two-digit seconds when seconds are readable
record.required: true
2,16
